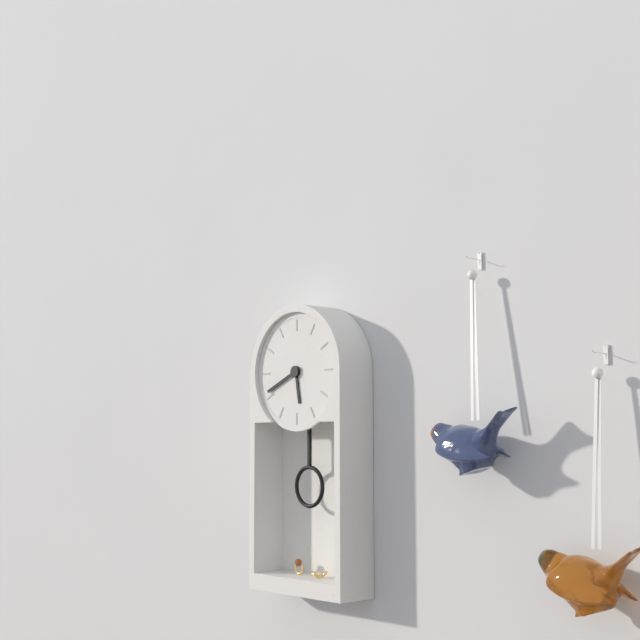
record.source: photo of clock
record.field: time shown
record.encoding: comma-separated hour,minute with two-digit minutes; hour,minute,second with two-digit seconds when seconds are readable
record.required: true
5,41
